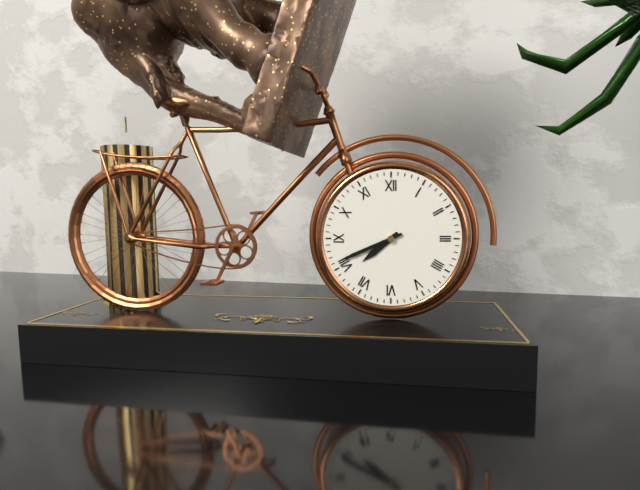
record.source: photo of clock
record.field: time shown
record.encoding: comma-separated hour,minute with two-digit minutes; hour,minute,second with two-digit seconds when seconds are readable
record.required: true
7,41
